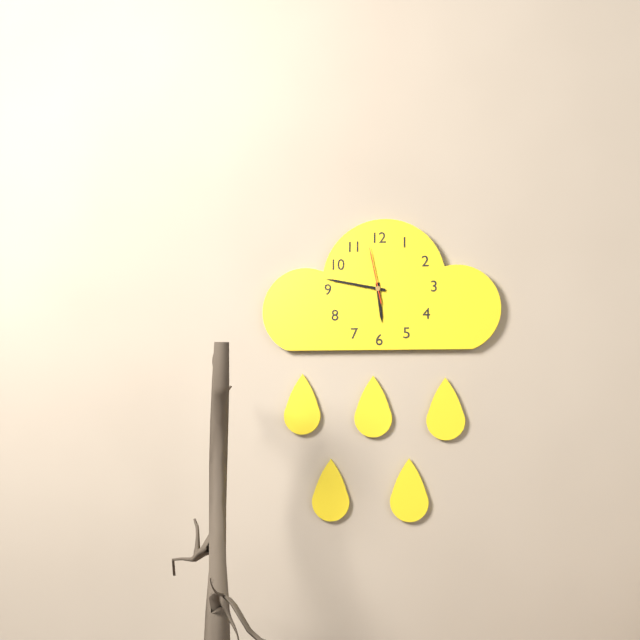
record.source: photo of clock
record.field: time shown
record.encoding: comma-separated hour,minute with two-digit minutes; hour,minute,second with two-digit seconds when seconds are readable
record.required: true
5,47,58
